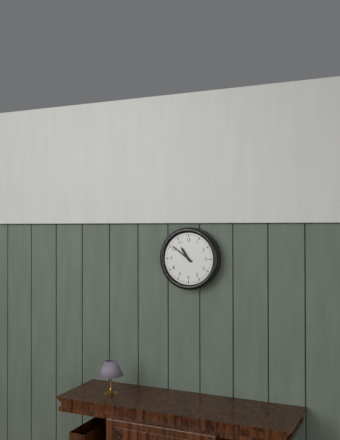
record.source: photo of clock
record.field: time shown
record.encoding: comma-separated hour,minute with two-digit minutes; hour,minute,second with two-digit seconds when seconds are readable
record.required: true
10,51
